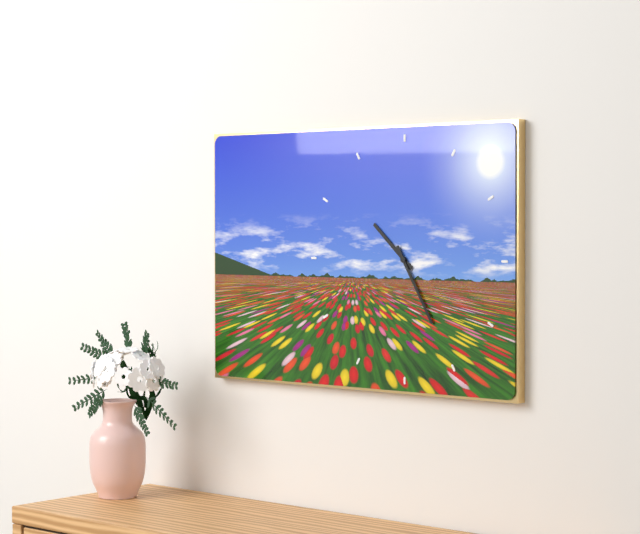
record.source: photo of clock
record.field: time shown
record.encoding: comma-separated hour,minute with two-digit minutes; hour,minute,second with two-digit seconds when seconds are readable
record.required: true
10,25
